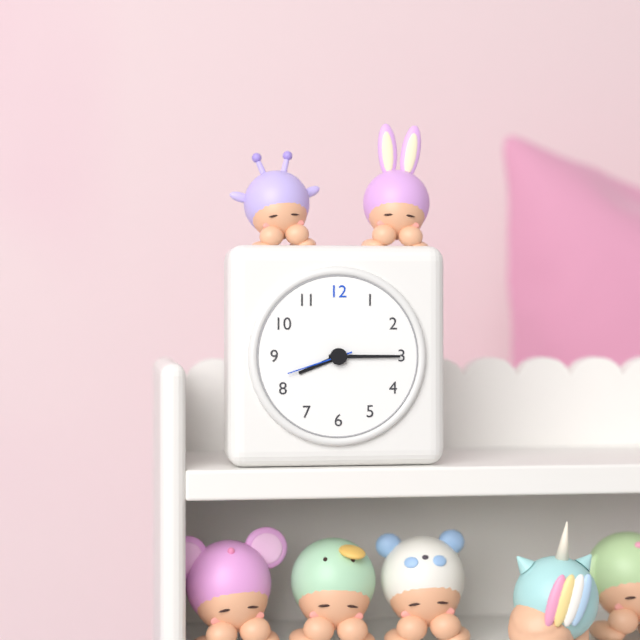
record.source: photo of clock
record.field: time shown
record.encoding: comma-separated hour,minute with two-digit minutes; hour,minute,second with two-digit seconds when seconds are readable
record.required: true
8,15,42
